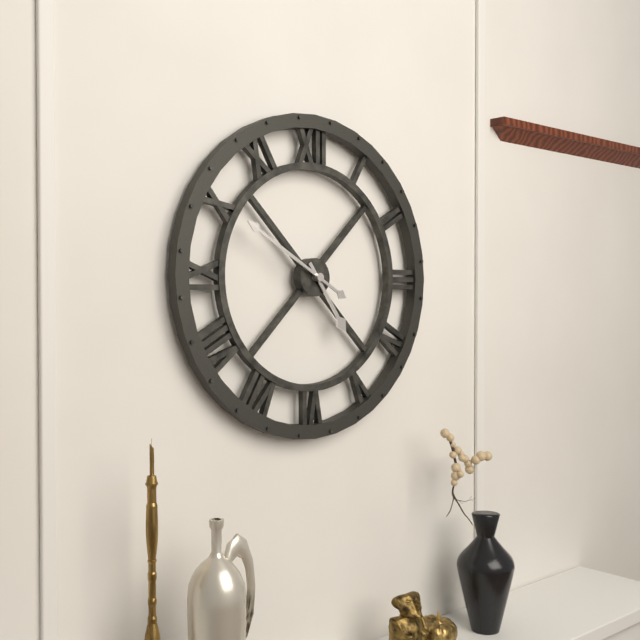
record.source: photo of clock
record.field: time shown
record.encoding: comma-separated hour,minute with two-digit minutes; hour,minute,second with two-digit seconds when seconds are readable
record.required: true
4,50
